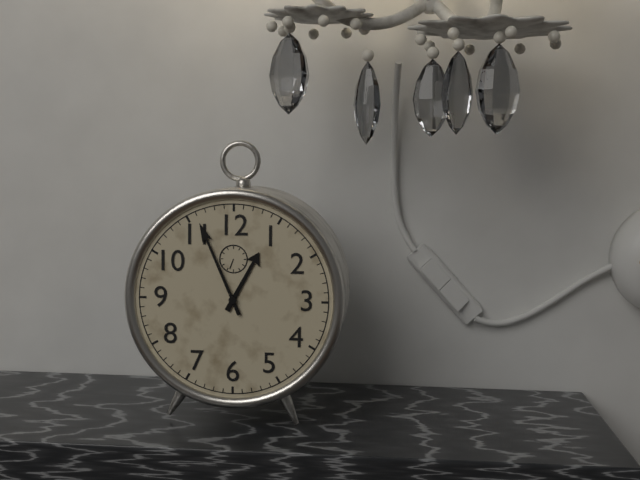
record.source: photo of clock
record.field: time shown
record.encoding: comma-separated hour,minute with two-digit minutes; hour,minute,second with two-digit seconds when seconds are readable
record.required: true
12,56
